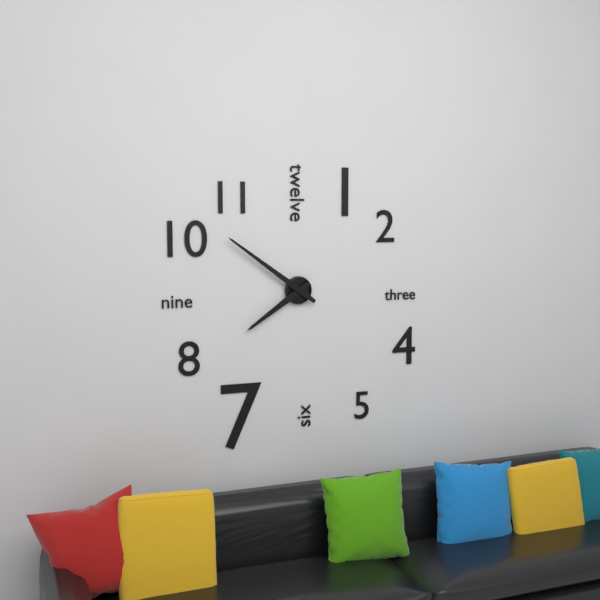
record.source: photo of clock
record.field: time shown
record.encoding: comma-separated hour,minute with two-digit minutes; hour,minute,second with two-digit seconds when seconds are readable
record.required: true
7,51
